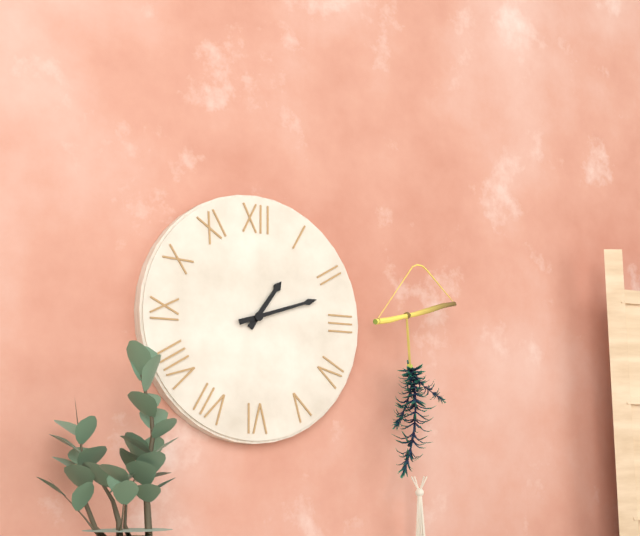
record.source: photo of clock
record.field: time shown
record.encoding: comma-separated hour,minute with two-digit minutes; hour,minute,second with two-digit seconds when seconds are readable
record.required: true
1,12
